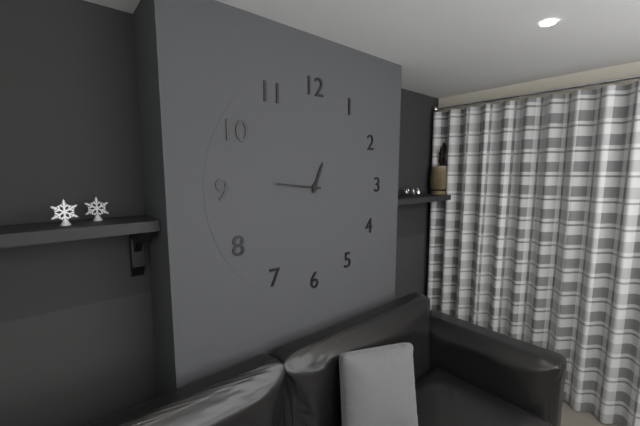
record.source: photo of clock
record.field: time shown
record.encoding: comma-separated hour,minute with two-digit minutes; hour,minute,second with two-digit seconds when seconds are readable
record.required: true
12,46
